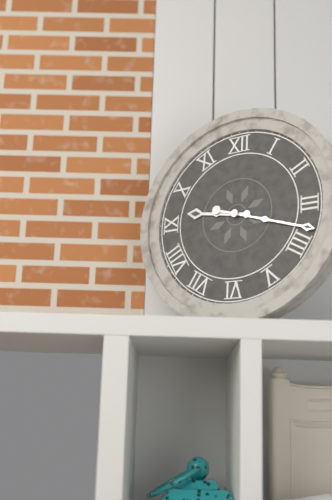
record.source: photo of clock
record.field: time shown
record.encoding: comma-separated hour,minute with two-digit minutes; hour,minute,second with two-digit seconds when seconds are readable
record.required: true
9,18
